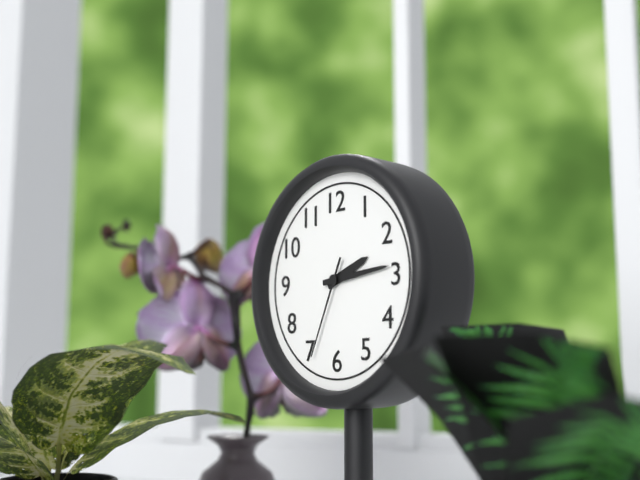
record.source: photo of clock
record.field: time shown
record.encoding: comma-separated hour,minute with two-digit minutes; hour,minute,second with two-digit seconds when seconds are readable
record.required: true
2,14,34
